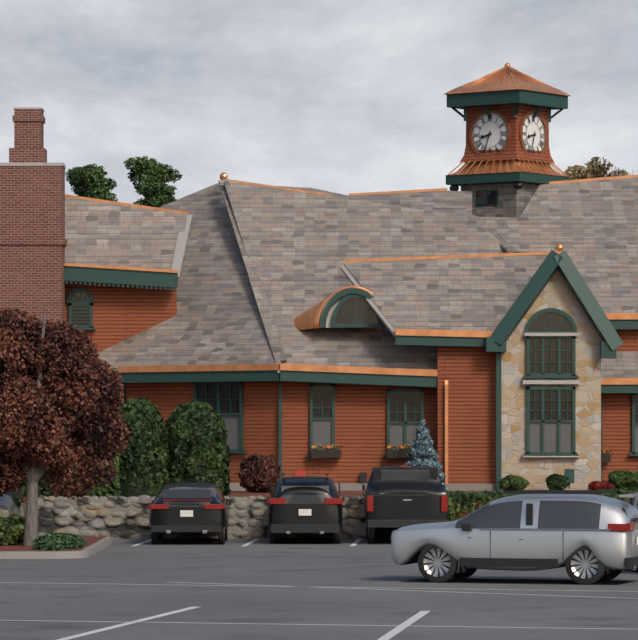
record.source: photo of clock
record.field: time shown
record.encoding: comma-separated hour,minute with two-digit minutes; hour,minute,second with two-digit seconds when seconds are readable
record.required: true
8,33
